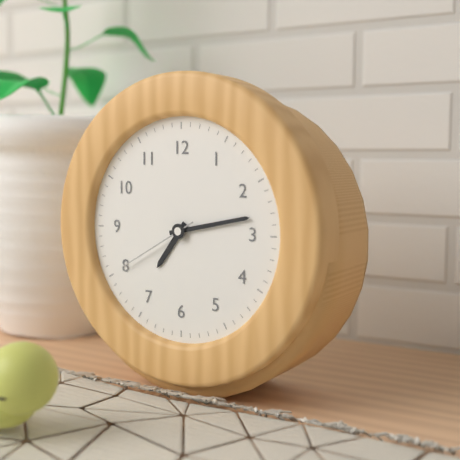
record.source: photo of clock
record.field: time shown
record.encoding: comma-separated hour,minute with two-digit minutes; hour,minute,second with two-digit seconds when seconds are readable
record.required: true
7,13,40
